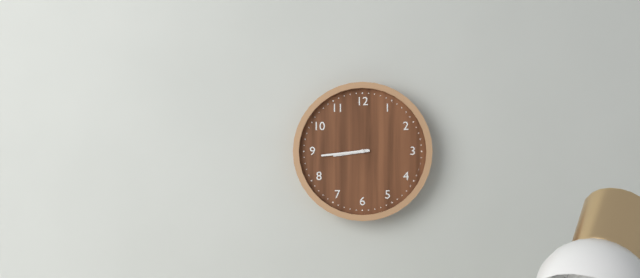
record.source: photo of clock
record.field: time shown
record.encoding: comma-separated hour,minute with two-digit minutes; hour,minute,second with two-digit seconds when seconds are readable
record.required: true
8,44
